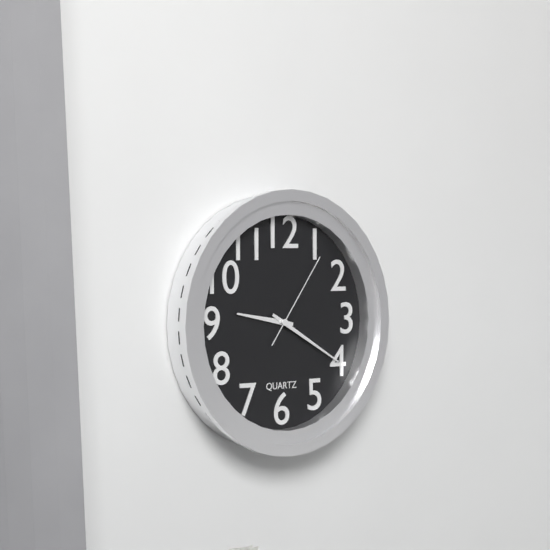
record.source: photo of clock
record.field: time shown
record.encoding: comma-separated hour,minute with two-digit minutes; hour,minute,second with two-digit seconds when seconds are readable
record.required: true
9,20,06
